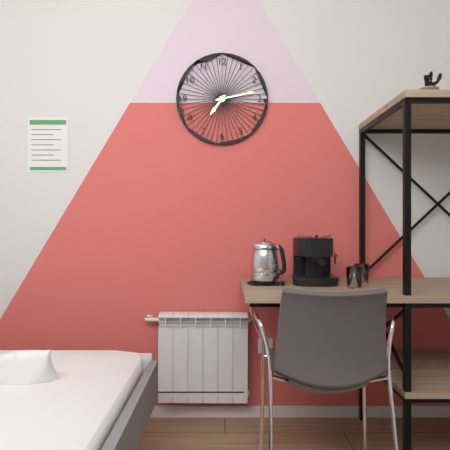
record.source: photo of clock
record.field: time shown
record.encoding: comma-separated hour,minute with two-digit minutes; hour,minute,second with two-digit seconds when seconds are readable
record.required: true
7,13
